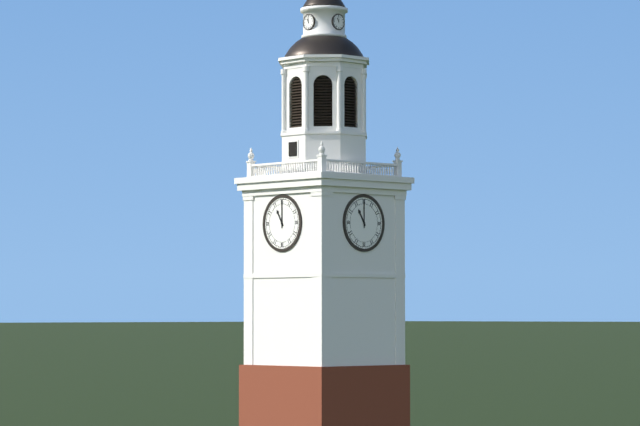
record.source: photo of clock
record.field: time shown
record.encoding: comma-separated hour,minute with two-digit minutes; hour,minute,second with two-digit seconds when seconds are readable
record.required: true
11,00
